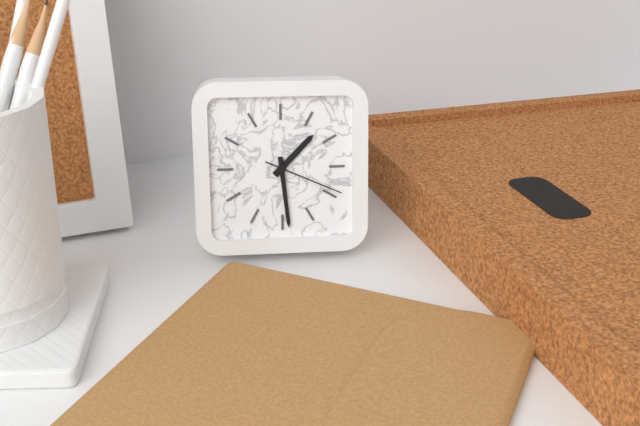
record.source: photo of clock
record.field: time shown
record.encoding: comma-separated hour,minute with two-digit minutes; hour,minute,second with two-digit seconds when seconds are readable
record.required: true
1,29,19
